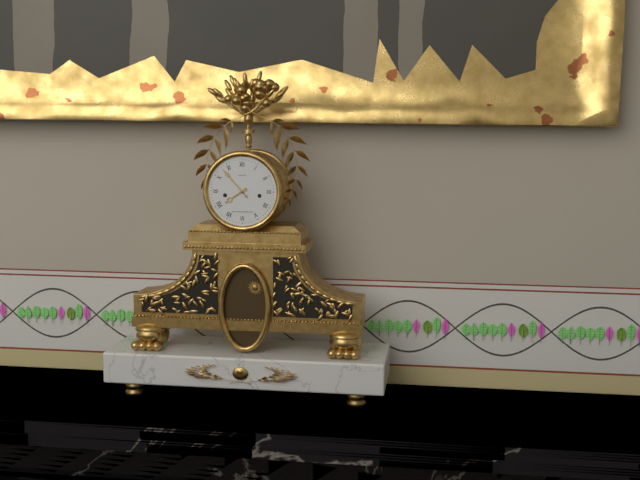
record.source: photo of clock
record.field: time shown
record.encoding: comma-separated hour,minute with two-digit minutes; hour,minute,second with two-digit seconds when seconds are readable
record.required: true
7,53
